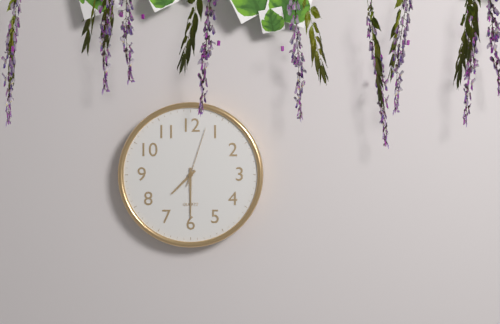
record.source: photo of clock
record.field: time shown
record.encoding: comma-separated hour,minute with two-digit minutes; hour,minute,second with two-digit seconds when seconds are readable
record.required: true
7,30,03
